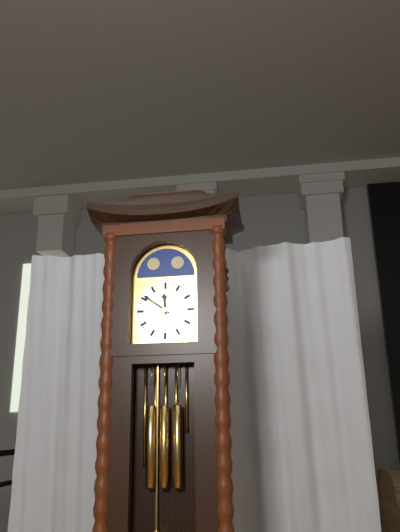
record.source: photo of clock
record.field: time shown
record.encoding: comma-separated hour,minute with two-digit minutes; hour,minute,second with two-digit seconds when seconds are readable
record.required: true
11,51
